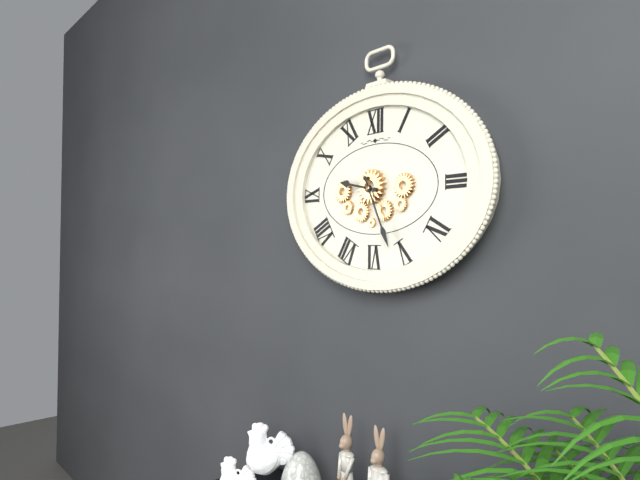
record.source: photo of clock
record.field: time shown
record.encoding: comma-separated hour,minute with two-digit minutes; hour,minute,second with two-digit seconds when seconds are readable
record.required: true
9,26
